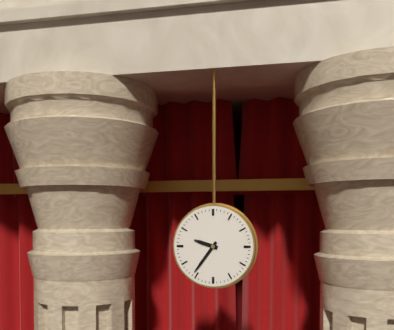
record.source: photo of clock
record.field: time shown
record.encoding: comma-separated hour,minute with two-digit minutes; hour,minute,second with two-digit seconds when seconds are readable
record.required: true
9,36
